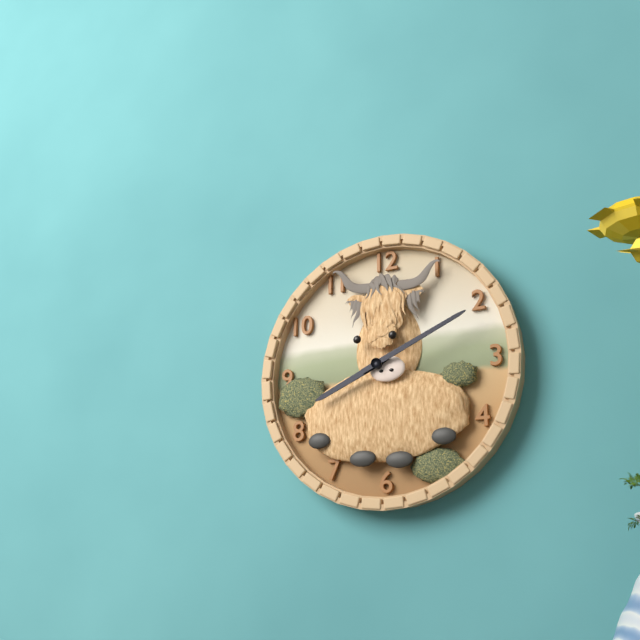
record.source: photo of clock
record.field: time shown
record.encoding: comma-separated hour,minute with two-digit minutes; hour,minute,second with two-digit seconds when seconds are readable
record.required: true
8,11
